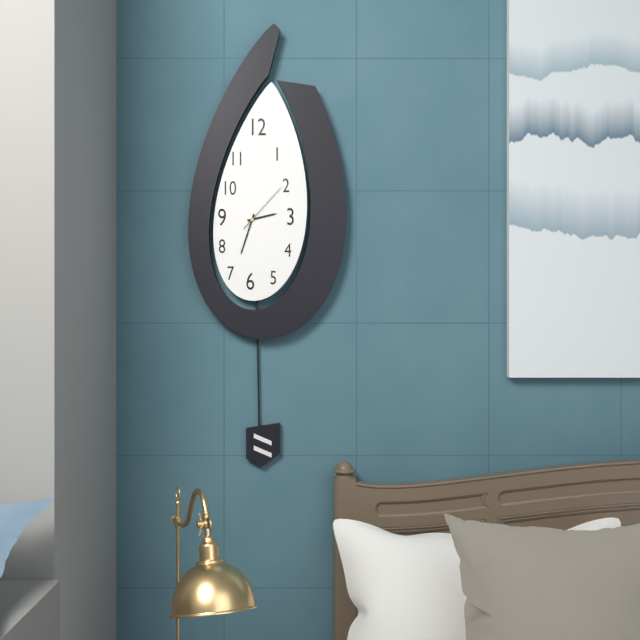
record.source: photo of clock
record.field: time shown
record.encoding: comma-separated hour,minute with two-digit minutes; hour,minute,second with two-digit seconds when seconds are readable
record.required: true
2,33,07
